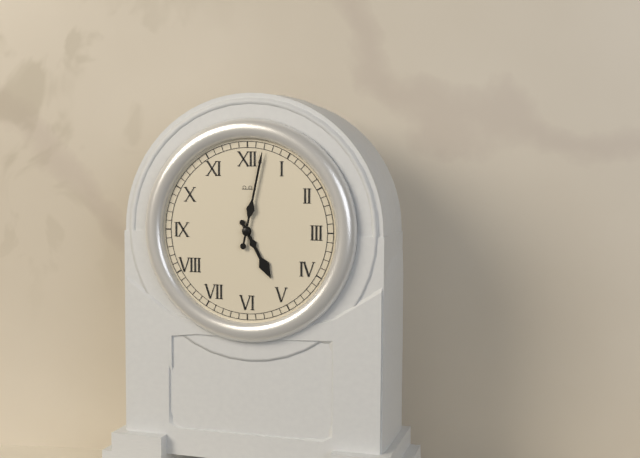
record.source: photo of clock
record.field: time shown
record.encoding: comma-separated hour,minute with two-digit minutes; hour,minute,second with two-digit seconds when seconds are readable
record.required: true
5,02
